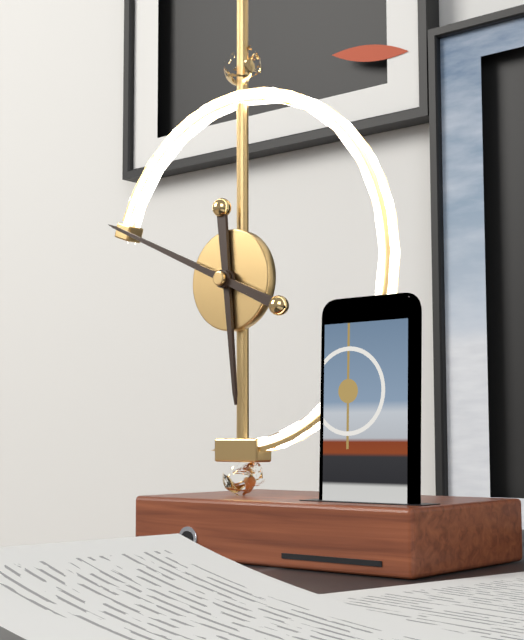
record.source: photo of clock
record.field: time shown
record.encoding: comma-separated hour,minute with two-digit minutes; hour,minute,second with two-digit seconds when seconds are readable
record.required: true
5,49
